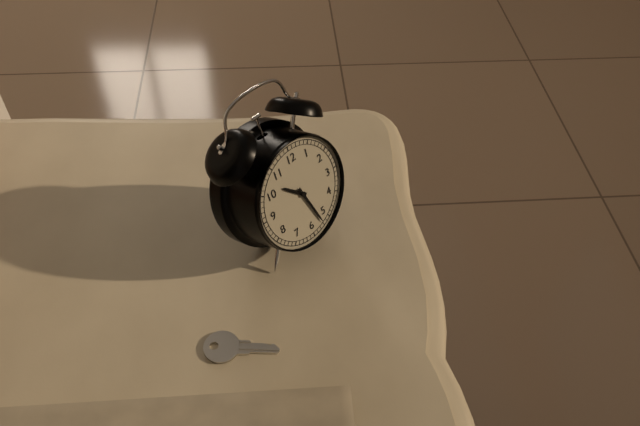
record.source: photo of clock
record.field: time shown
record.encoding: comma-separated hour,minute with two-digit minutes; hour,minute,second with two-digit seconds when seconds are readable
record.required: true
10,27
